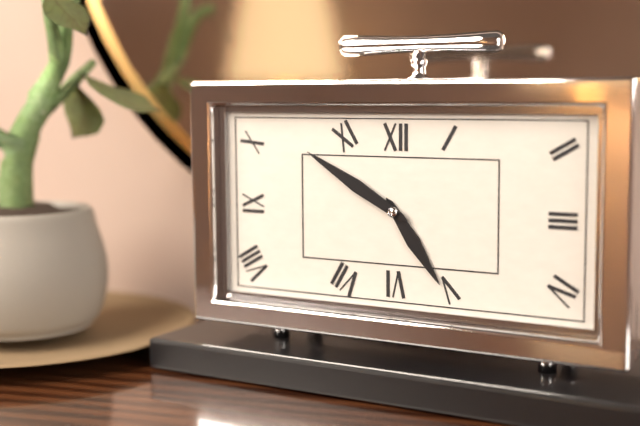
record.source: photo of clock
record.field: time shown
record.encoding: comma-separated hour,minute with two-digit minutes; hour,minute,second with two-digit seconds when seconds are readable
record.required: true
4,50
